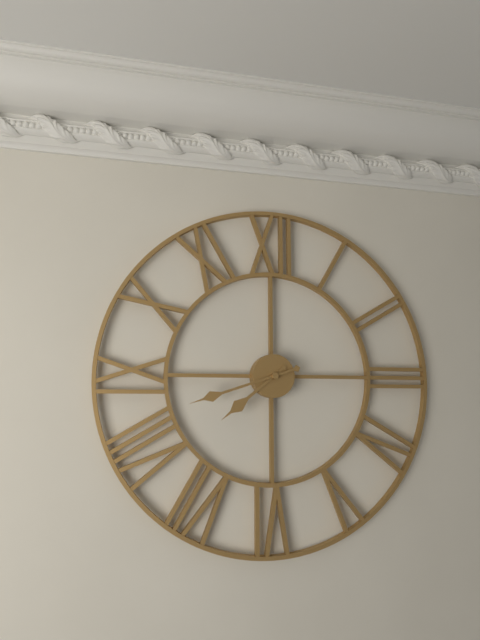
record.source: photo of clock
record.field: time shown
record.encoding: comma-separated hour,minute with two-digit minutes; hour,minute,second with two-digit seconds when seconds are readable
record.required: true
7,42
